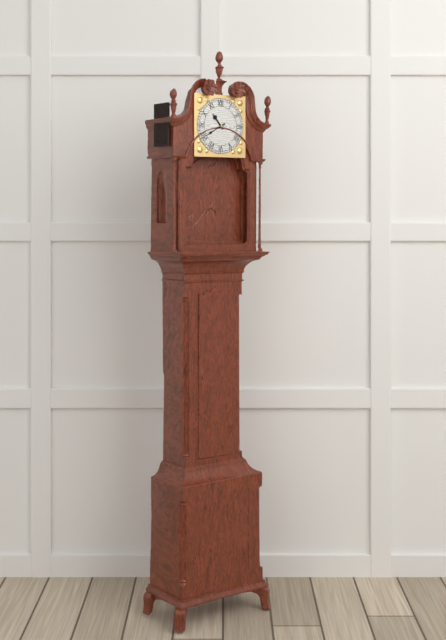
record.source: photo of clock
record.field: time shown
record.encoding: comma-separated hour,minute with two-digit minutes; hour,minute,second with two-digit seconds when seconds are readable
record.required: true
10,40
